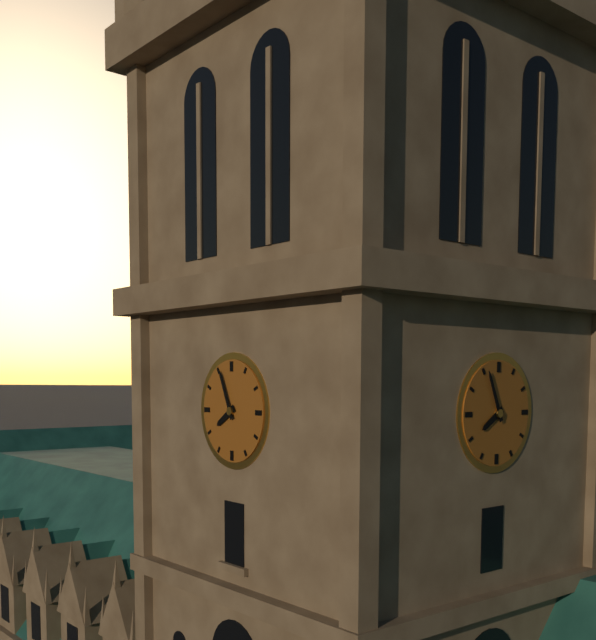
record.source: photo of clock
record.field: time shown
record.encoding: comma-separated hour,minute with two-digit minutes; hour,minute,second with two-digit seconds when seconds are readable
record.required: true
7,56
